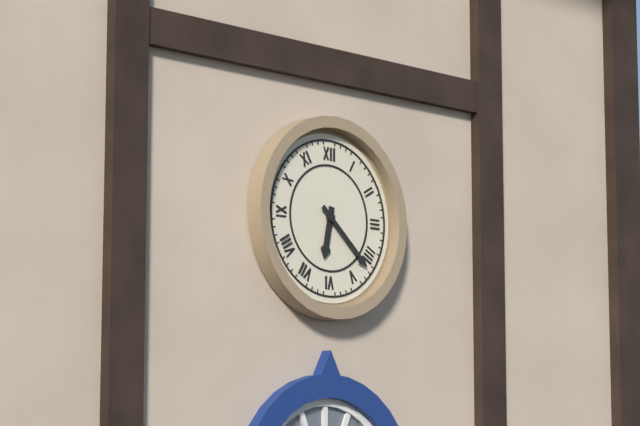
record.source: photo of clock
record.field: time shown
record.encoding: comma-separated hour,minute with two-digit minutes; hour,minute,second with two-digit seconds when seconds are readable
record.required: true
6,22
